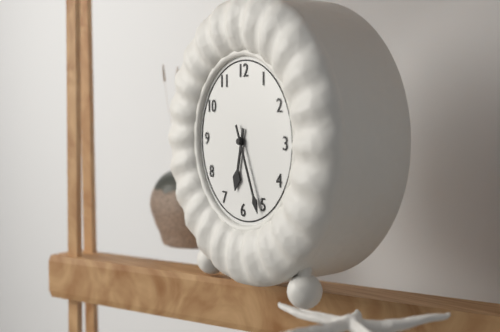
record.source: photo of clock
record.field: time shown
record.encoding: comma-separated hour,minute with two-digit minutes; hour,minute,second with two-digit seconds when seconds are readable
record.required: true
6,26
